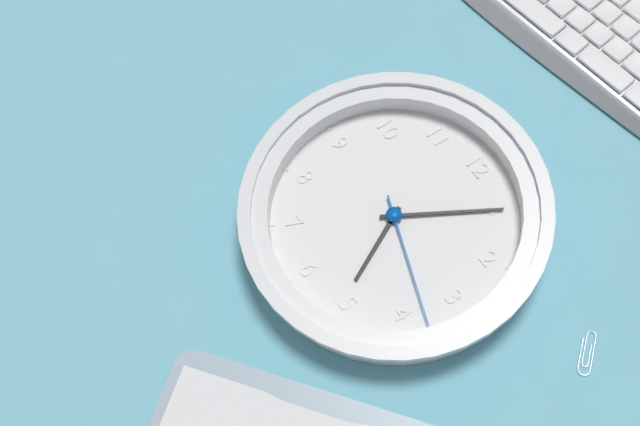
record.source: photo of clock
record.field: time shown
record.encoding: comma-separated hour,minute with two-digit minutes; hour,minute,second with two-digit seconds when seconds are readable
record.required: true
5,05,18
